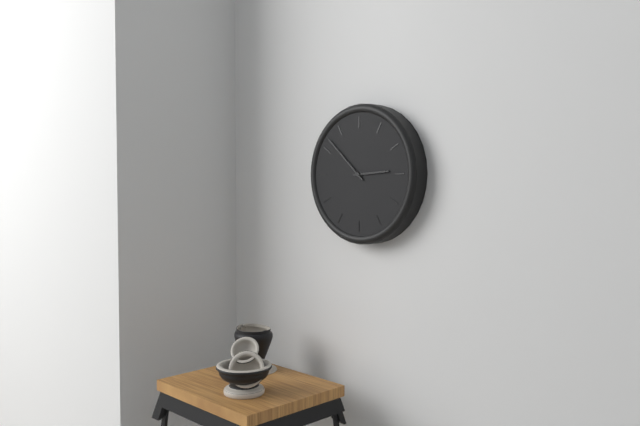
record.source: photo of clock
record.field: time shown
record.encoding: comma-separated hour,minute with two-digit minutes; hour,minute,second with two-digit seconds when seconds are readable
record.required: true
2,52
